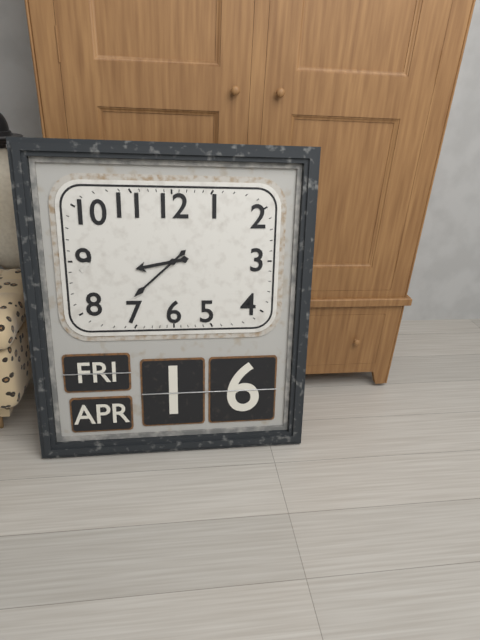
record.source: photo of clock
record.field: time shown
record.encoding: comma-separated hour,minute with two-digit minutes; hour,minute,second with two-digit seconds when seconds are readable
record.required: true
8,38
